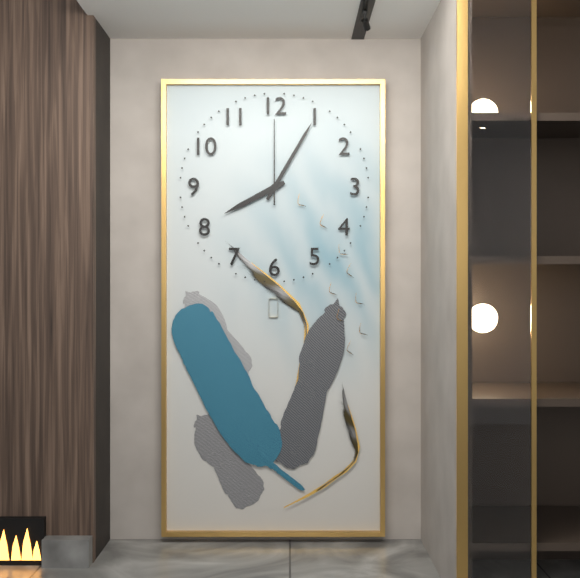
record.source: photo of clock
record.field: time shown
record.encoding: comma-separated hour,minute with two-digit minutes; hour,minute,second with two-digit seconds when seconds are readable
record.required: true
8,05,00
